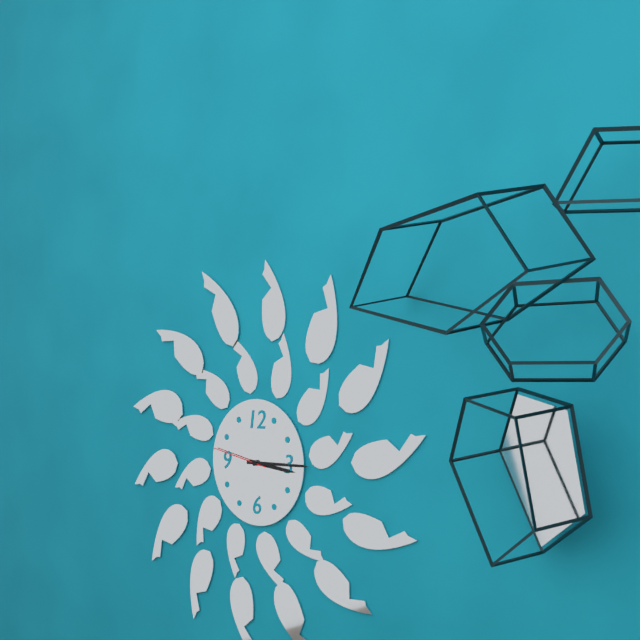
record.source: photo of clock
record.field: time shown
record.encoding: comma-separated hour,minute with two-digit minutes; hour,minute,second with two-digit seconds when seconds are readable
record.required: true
3,15,47
